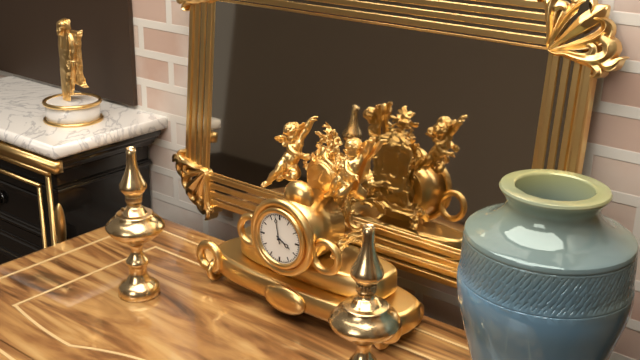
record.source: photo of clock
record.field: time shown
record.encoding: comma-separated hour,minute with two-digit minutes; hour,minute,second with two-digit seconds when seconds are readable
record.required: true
3,58
